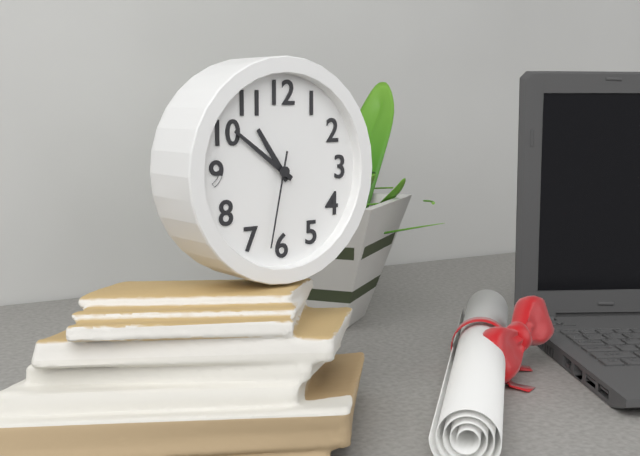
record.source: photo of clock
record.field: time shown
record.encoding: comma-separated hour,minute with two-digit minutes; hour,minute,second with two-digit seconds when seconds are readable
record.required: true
10,51,32
